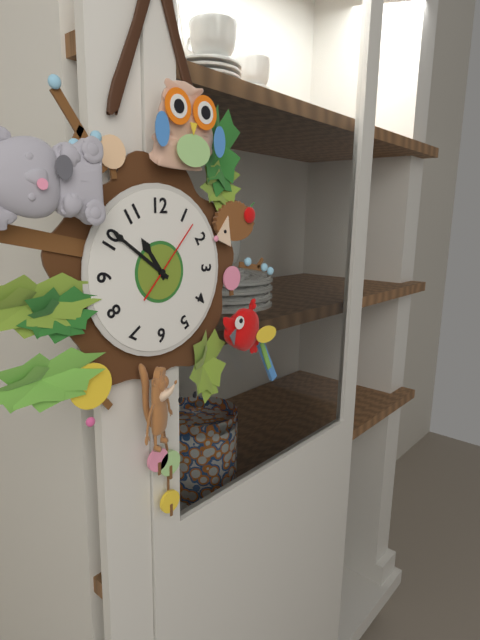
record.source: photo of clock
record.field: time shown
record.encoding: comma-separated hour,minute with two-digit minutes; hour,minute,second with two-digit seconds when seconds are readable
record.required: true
10,51,07
